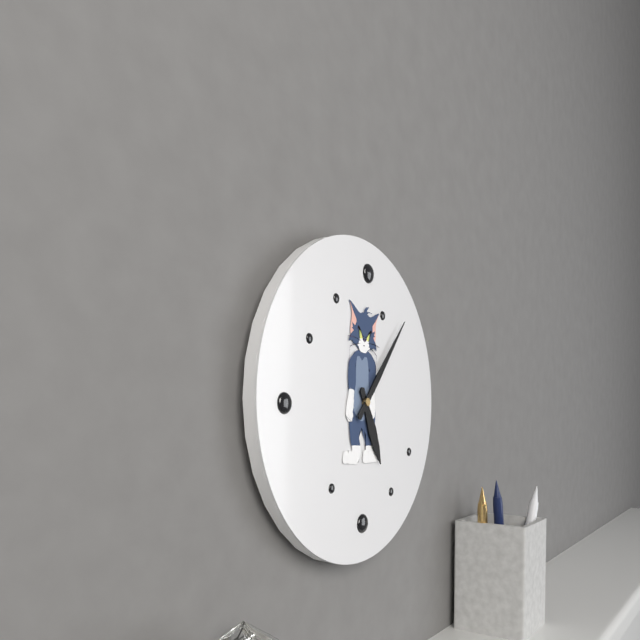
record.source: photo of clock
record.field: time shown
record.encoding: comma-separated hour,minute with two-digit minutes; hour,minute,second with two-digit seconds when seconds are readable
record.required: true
5,07
